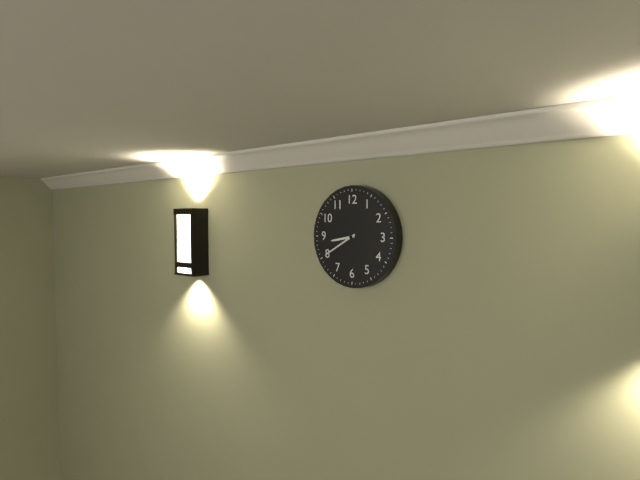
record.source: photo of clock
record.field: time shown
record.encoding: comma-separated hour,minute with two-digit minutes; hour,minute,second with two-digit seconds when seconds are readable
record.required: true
8,40
